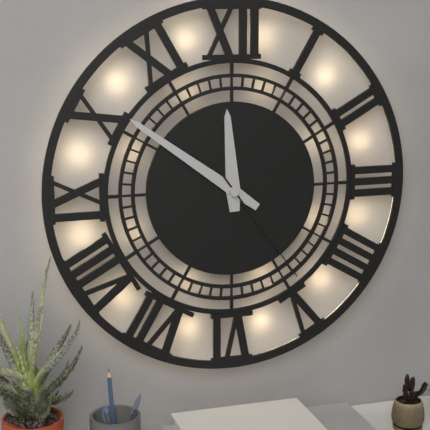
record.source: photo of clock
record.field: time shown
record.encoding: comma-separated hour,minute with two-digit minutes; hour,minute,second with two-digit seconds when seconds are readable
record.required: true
11,51,24
